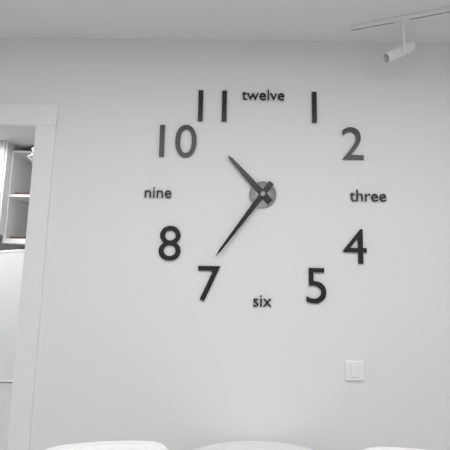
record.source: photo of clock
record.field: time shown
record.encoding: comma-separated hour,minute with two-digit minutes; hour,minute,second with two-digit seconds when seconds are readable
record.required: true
10,36
